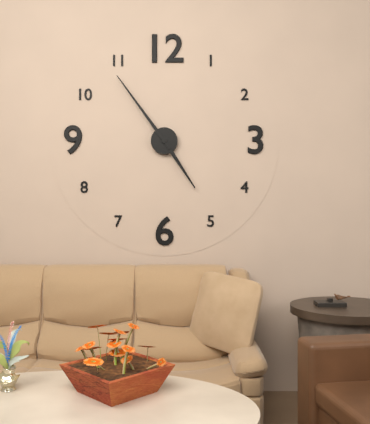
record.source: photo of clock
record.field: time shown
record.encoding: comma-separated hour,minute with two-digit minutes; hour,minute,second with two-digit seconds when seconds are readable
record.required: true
4,54
